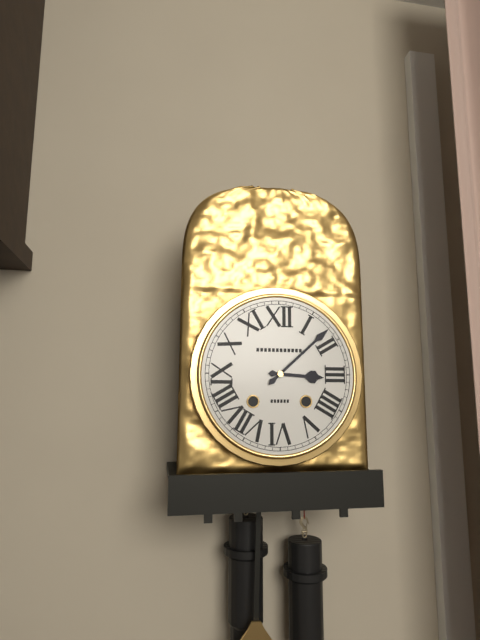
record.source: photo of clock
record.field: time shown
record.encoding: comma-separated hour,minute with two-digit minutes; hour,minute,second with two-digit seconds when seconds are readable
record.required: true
3,08
